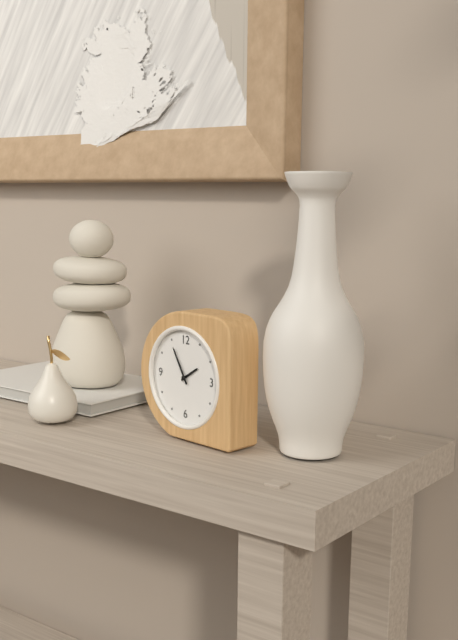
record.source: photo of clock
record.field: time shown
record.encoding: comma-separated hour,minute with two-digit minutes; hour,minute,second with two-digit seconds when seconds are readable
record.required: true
1,55
